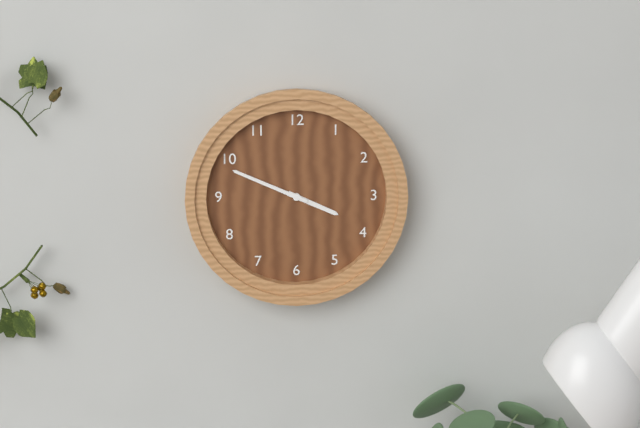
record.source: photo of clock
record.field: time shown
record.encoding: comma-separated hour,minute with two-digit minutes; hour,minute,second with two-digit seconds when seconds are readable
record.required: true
3,49
